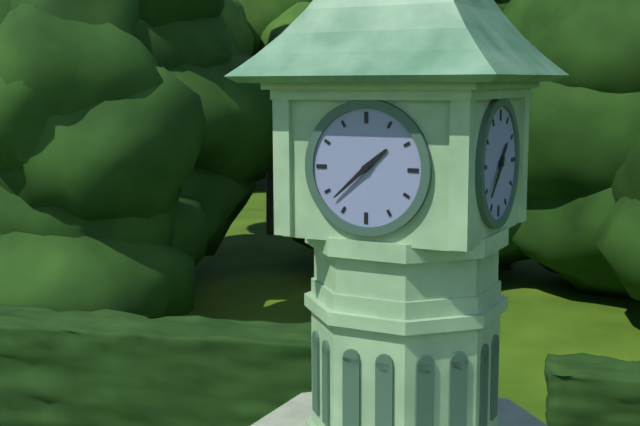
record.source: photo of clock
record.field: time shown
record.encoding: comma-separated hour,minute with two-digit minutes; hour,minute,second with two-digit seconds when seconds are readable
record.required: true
1,38
